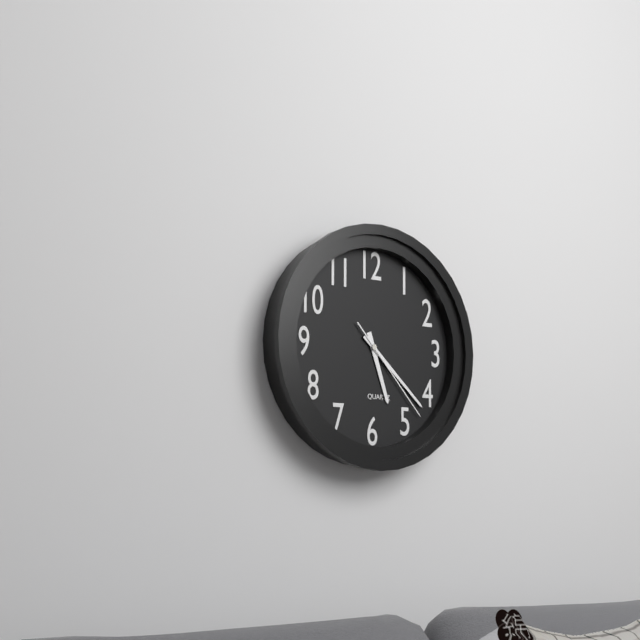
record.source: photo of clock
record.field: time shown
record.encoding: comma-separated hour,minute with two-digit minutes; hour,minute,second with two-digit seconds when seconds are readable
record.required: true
5,22,23
